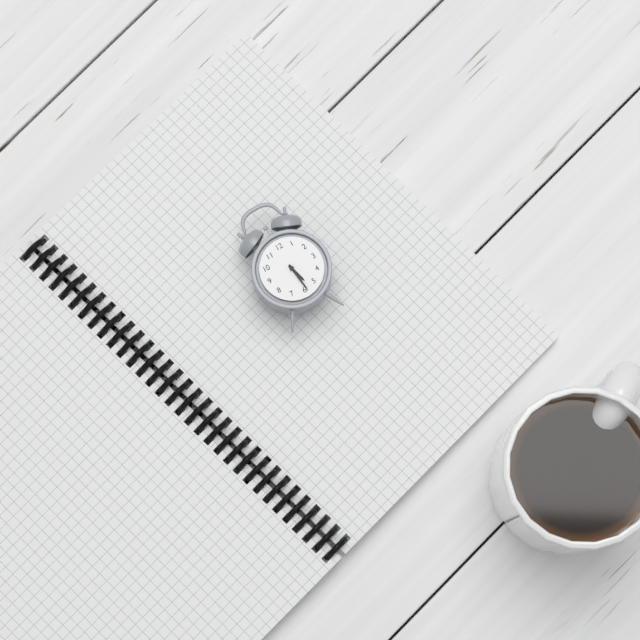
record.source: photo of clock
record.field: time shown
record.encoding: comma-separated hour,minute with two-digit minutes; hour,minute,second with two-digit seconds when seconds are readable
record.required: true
5,29
